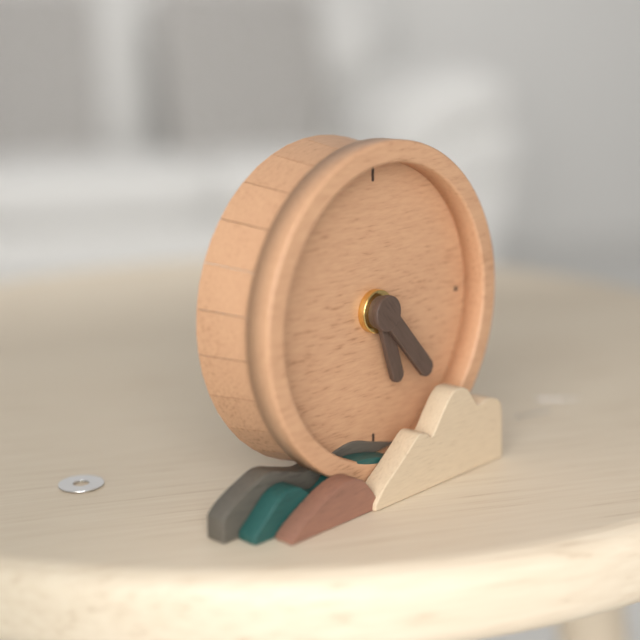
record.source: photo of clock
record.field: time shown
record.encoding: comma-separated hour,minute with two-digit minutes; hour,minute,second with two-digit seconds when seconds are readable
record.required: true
5,23
